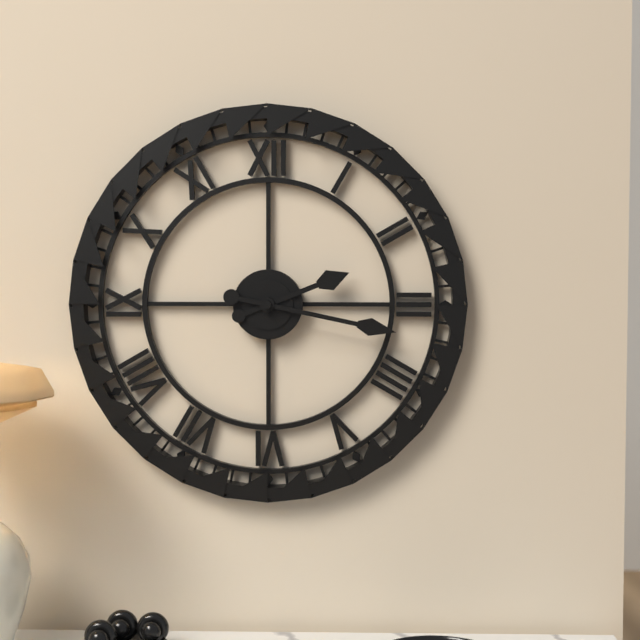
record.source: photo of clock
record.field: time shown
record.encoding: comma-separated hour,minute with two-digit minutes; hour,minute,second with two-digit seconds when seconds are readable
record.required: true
2,17
